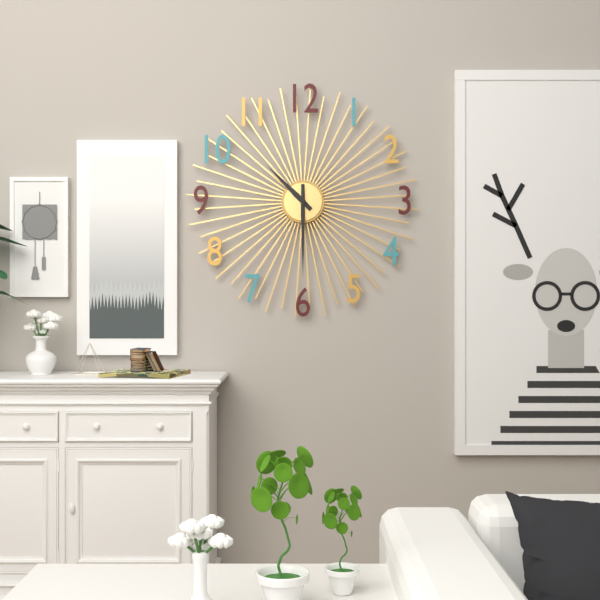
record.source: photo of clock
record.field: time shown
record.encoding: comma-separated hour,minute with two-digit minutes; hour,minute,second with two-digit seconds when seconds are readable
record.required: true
10,30
